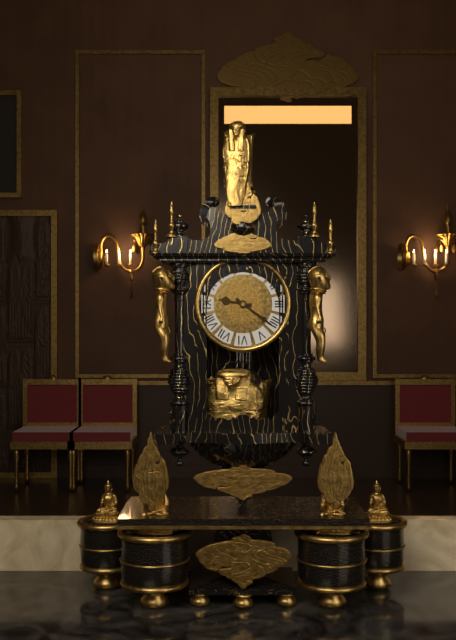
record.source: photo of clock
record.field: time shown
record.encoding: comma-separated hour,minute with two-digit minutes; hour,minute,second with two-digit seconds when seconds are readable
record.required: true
9,21
